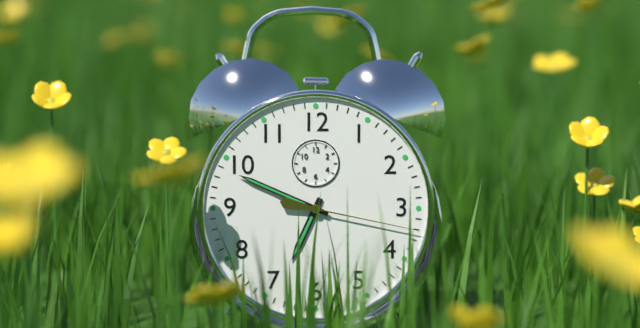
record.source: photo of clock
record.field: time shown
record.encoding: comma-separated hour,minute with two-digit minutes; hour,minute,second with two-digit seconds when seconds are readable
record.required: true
6,49,17
